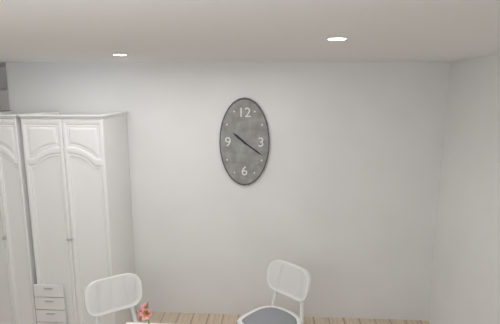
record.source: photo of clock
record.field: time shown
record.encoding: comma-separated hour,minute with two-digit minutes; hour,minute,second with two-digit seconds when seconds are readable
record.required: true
10,21
